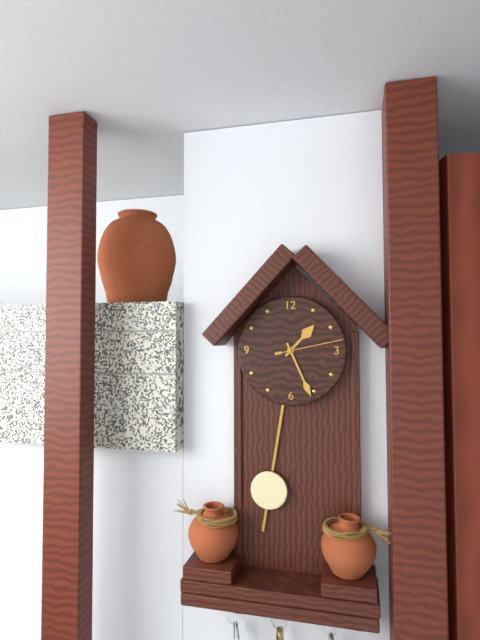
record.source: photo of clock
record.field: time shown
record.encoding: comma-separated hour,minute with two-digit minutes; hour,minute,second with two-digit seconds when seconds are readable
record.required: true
1,26,13
